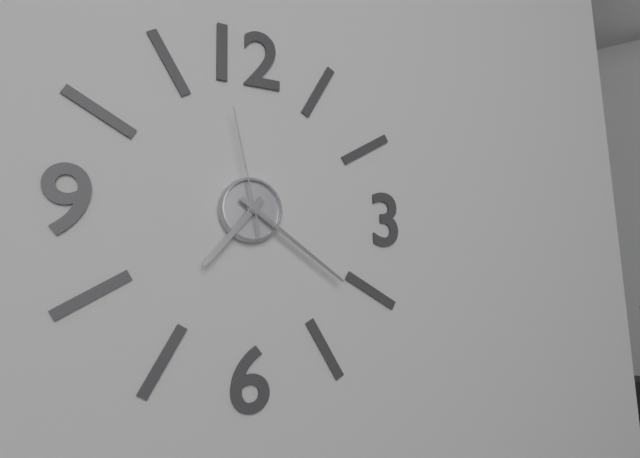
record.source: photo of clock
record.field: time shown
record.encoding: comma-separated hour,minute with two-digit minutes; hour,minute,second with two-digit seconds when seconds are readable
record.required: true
7,21,58
